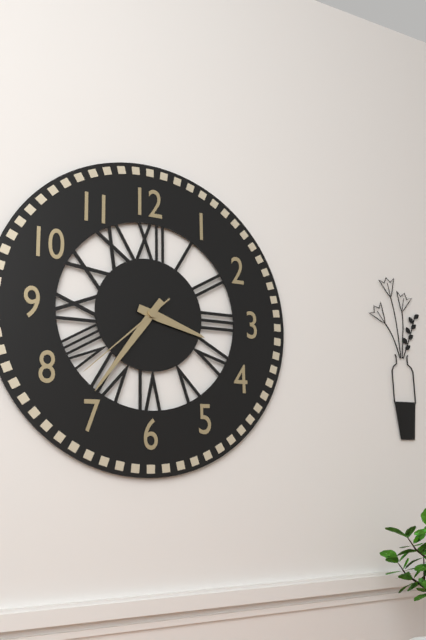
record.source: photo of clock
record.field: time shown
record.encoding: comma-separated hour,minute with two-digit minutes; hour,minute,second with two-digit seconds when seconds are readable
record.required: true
3,36,38
